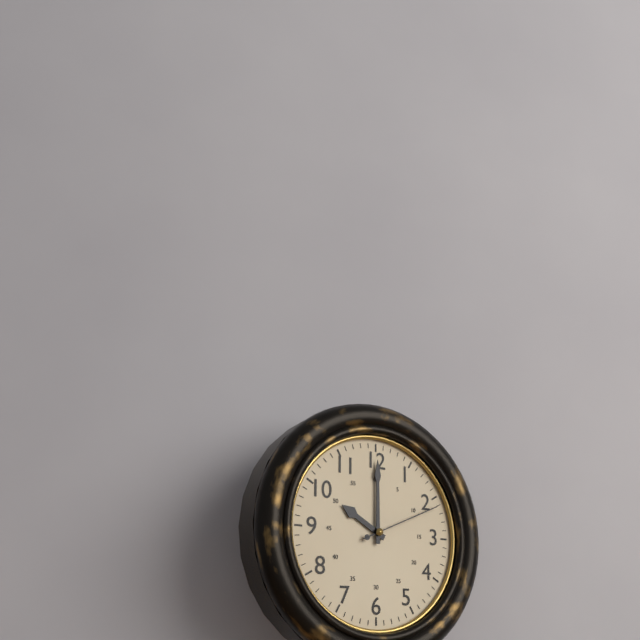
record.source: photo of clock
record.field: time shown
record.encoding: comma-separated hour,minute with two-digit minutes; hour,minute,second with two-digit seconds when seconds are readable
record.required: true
10,00,11
